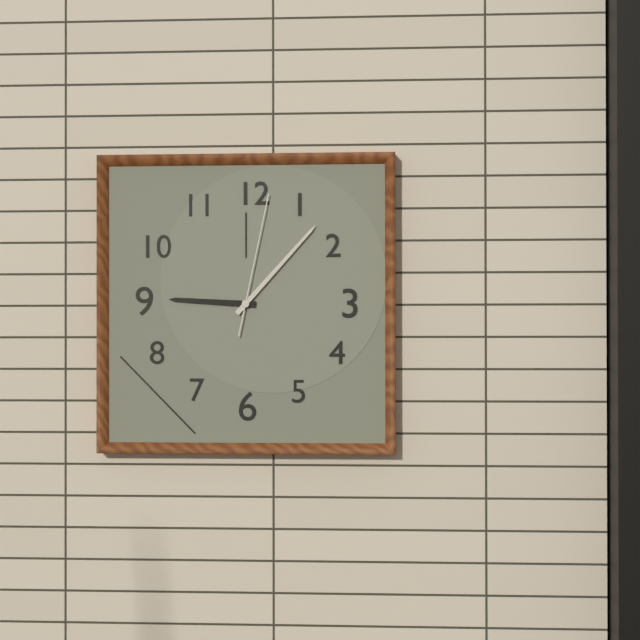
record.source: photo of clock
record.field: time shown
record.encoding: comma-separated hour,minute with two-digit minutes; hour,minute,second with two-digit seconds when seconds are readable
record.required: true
9,07,02
